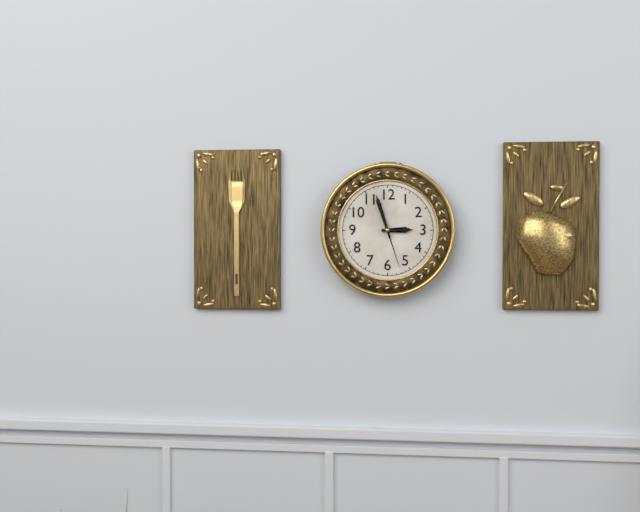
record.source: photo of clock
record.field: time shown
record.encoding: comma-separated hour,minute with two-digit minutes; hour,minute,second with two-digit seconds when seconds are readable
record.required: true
2,57,27
